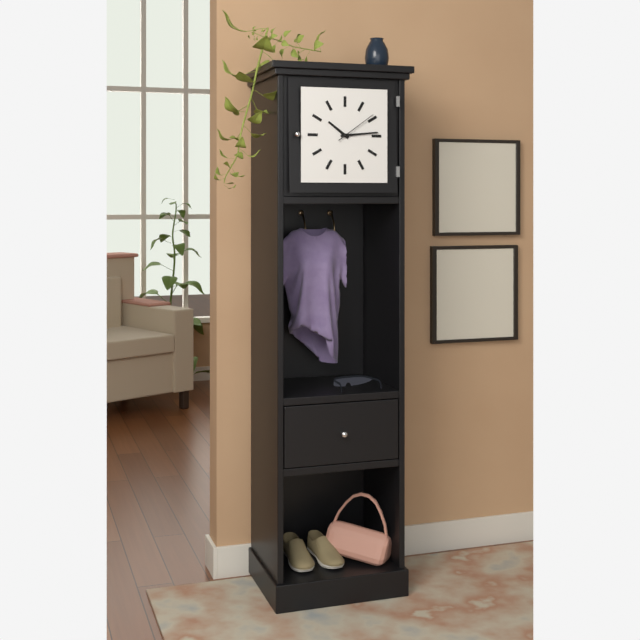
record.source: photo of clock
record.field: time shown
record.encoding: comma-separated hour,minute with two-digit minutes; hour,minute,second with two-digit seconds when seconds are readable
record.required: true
10,14
